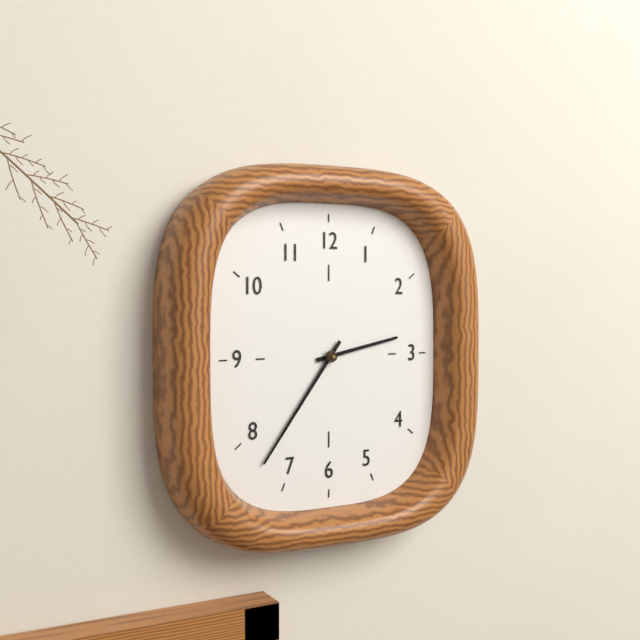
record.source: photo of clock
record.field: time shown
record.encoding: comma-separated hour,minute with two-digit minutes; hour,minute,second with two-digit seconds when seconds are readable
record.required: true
2,36
